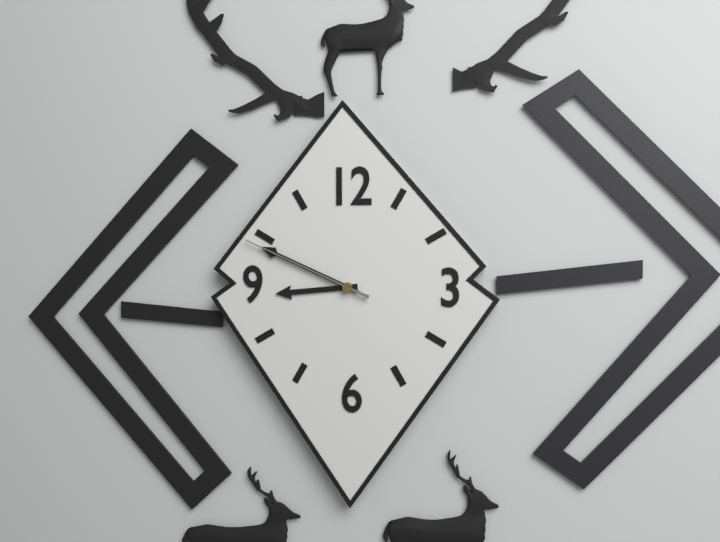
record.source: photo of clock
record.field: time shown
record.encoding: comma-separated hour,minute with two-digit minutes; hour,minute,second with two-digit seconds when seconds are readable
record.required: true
8,49,49
